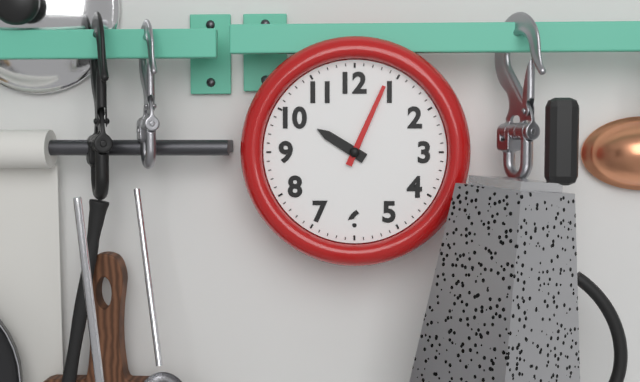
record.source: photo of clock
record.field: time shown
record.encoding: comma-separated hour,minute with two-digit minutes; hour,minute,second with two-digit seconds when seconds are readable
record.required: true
10,04
